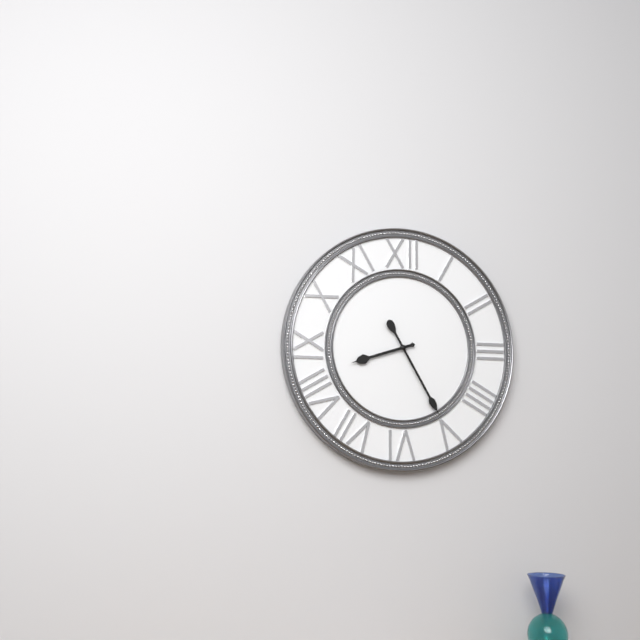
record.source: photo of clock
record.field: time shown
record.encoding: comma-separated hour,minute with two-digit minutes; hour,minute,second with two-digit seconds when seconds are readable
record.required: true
8,25
